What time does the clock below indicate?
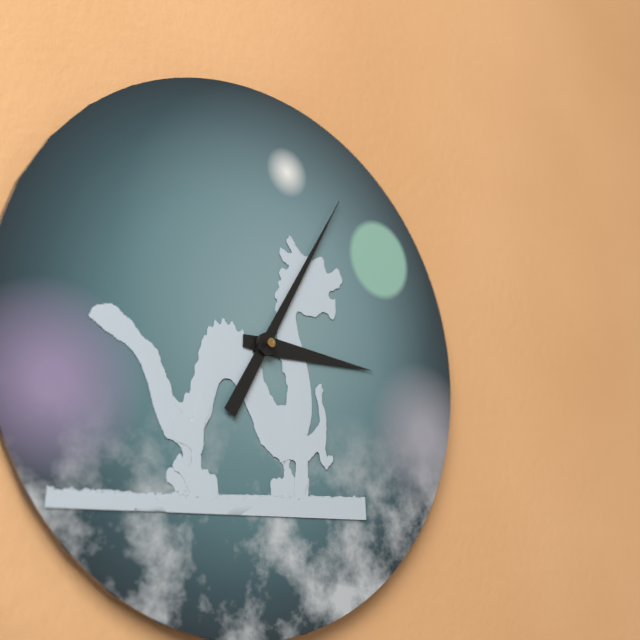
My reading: 3:05
